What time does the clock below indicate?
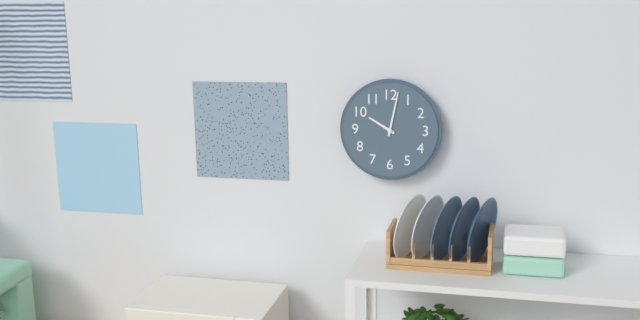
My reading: 10:02
